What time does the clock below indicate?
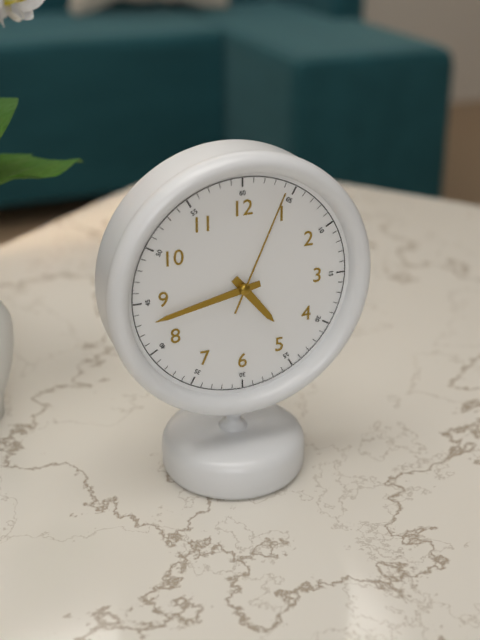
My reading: 4:43:04
